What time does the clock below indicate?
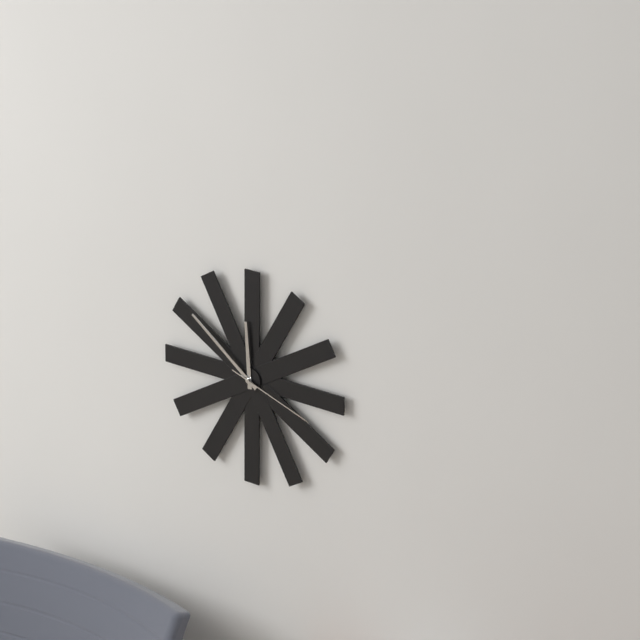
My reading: 11:51:18
